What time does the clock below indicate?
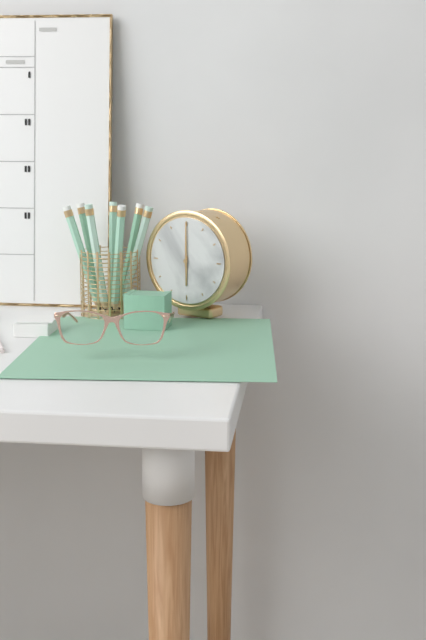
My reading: 6:00
